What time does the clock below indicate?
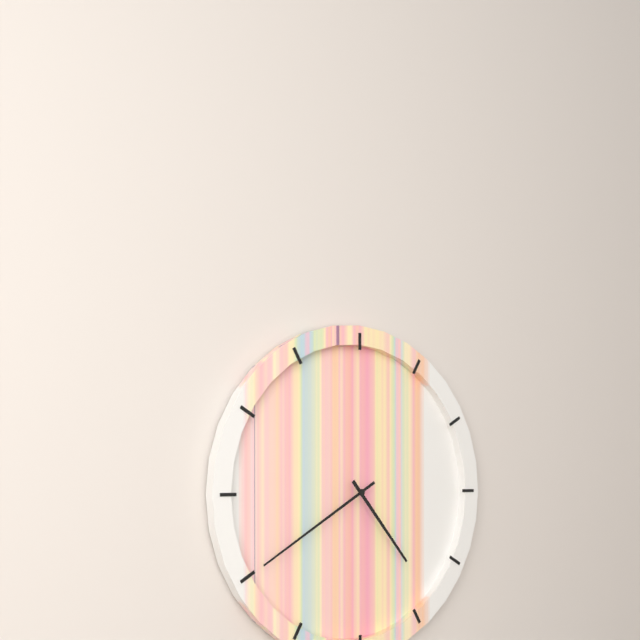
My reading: 4:40
